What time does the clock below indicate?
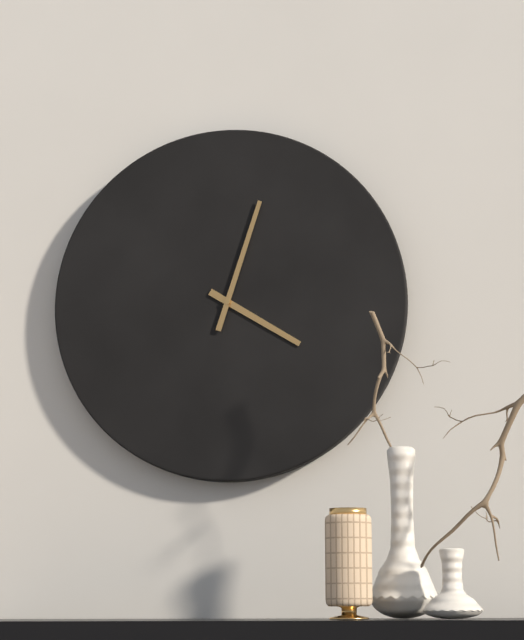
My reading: 4:03
